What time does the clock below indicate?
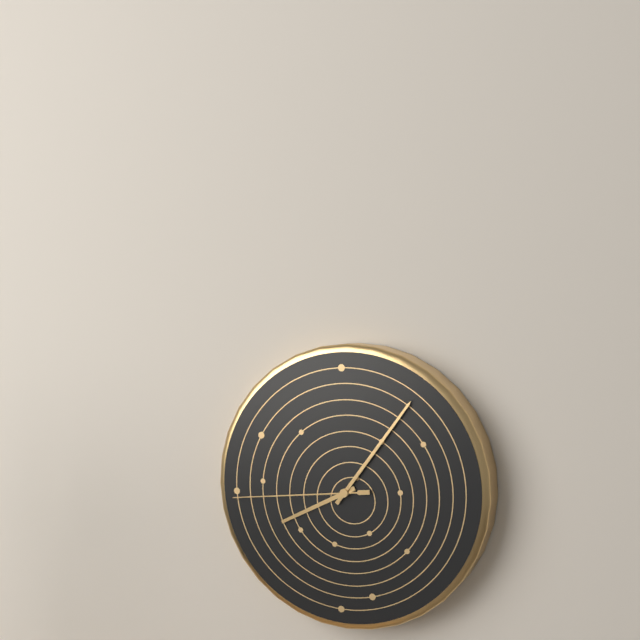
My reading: 8:06:44
